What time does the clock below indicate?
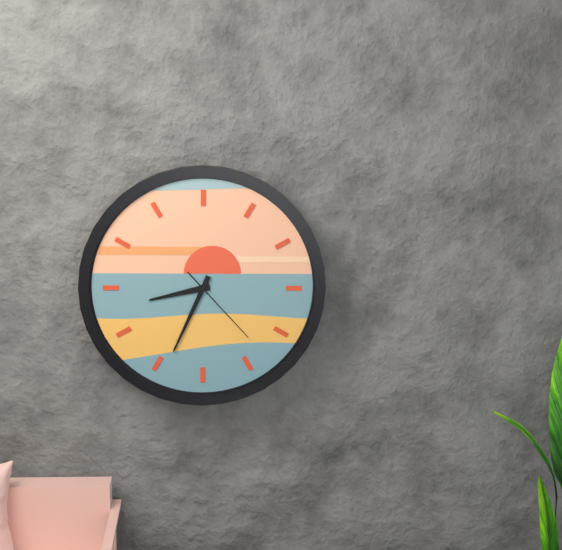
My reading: 8:34:23
